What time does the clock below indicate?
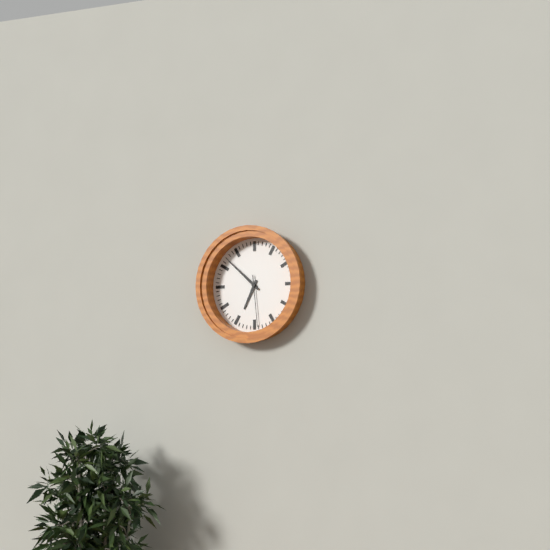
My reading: 6:52:29
